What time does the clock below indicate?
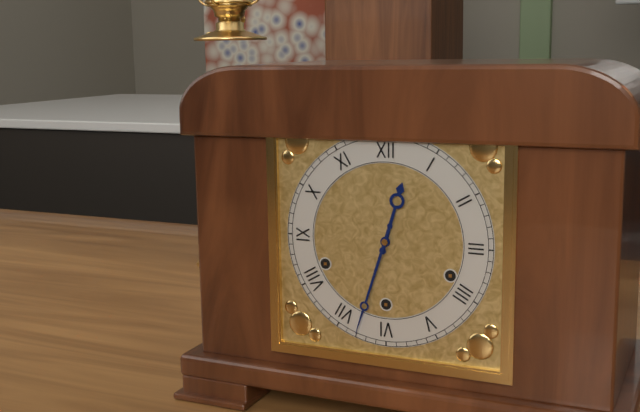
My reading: 12:33
